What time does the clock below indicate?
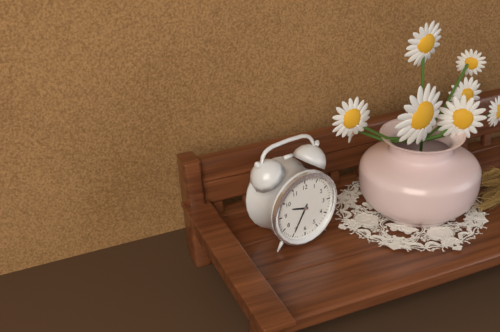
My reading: 9:35
